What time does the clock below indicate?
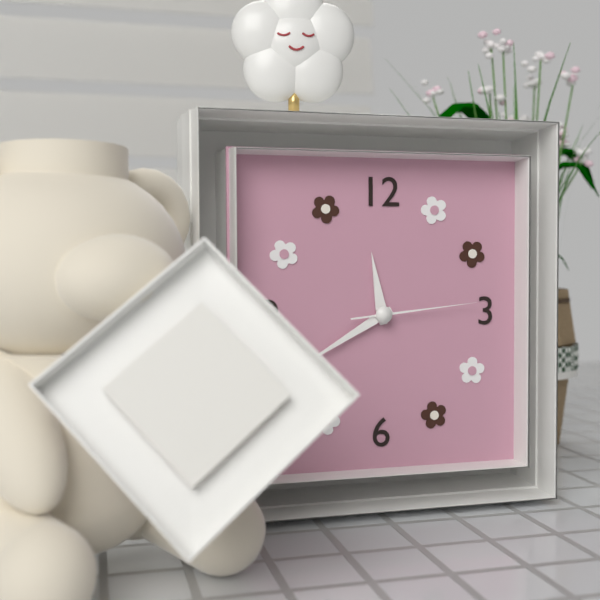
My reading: 11:40:14
